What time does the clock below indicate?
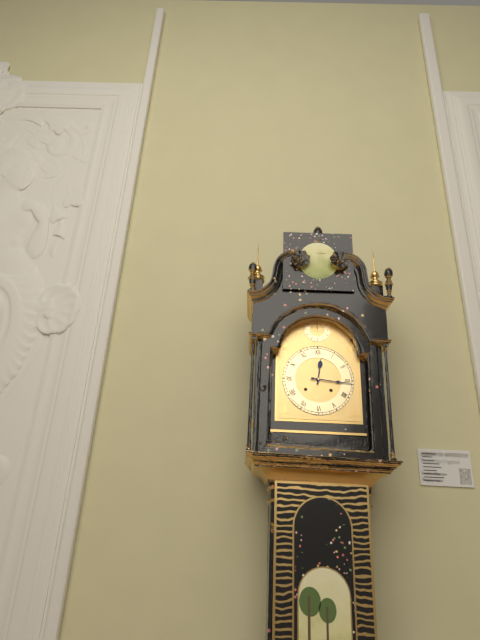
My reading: 12:16
